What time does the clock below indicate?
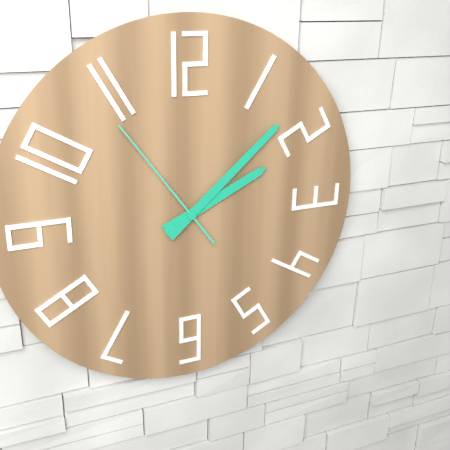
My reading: 2:08:54
